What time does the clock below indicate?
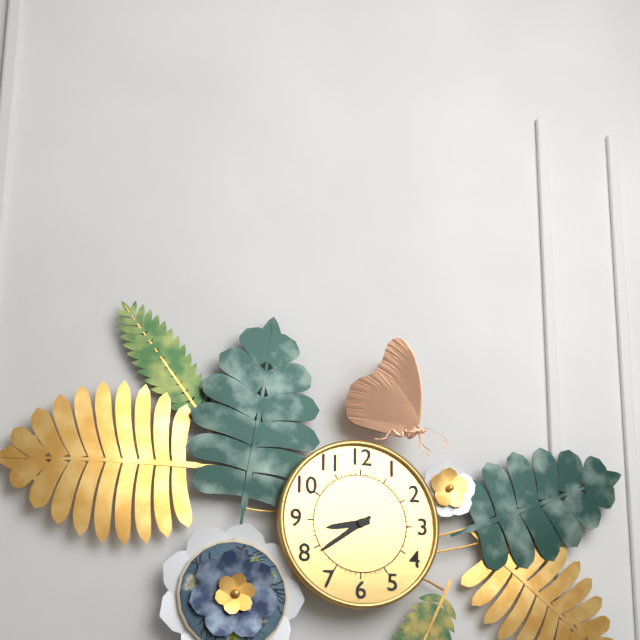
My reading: 8:39
